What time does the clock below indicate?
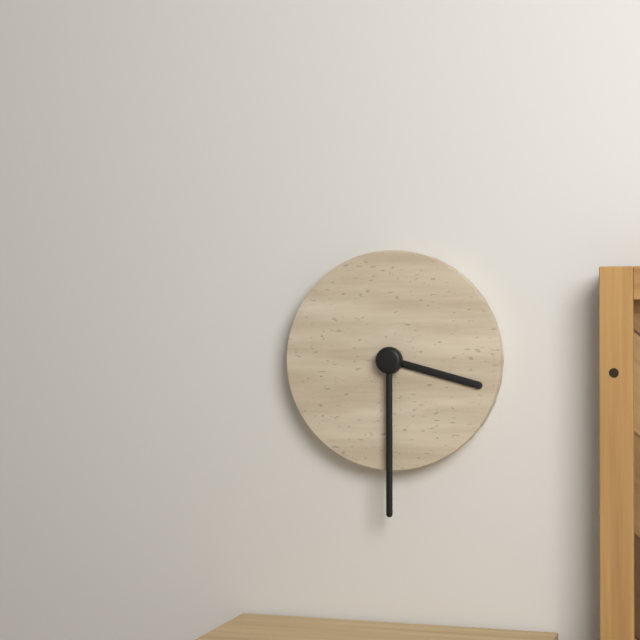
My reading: 3:30
